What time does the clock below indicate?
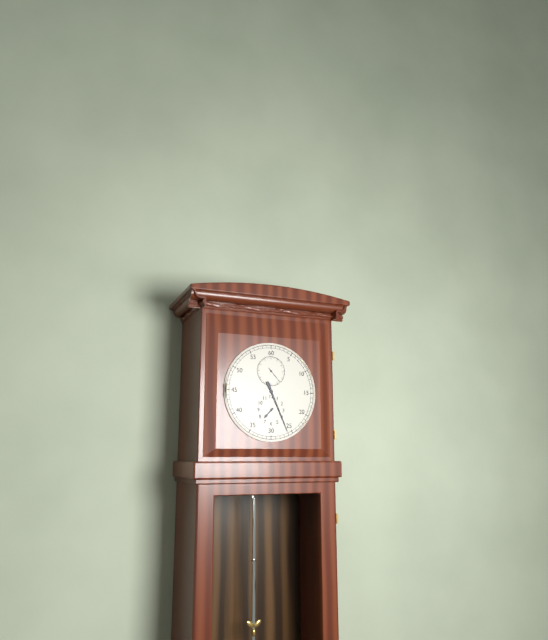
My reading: 7:26
